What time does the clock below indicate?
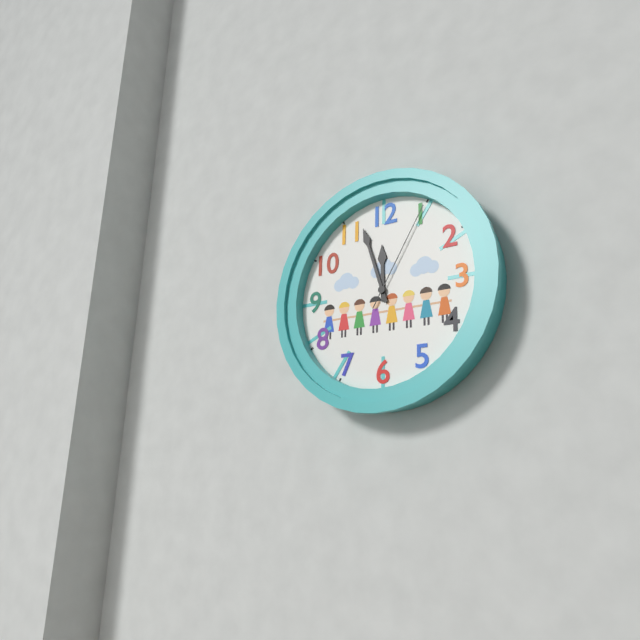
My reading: 11:57:05
